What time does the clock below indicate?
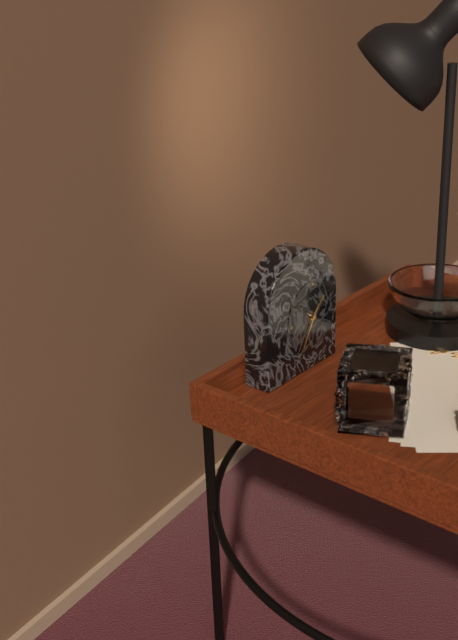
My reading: 1:35
